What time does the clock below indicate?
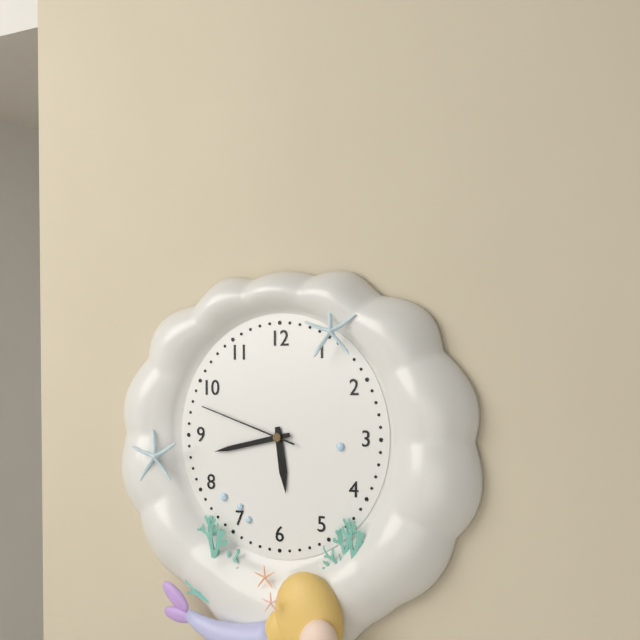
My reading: 5:43:48
